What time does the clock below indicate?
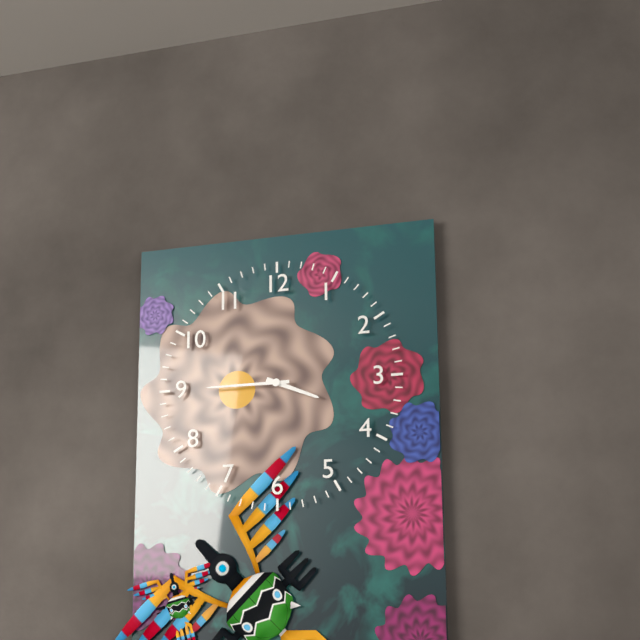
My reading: 3:45
